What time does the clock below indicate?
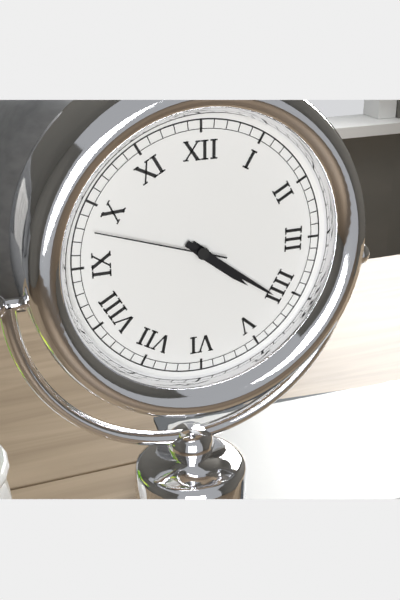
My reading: 4:21:48
